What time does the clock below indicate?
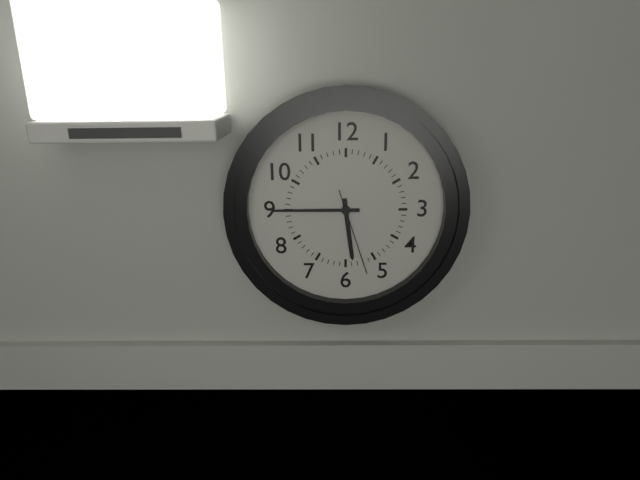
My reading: 5:45:27
